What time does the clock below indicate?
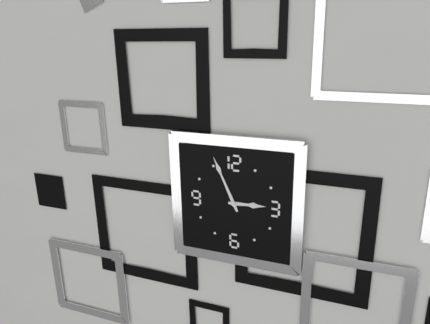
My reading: 2:56
